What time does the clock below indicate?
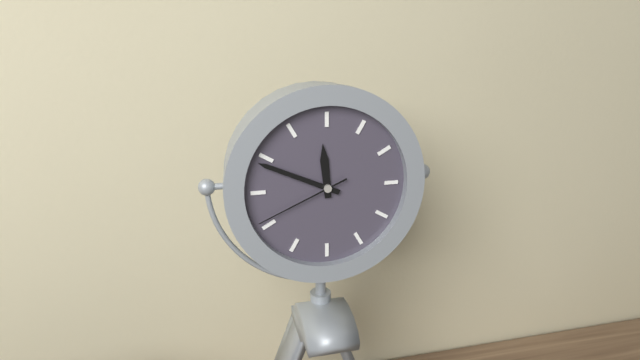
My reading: 11:49:41
